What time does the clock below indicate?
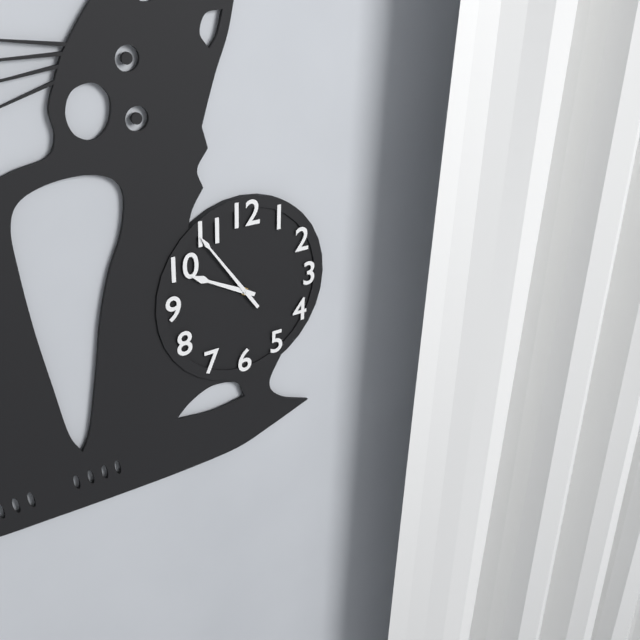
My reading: 9:54
